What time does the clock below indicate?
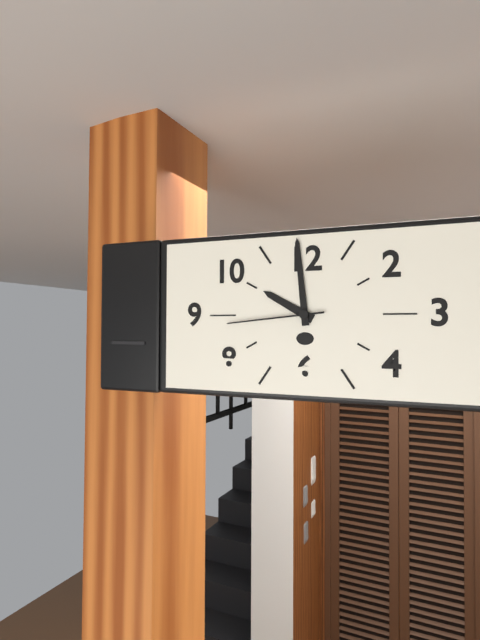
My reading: 9:59:44
